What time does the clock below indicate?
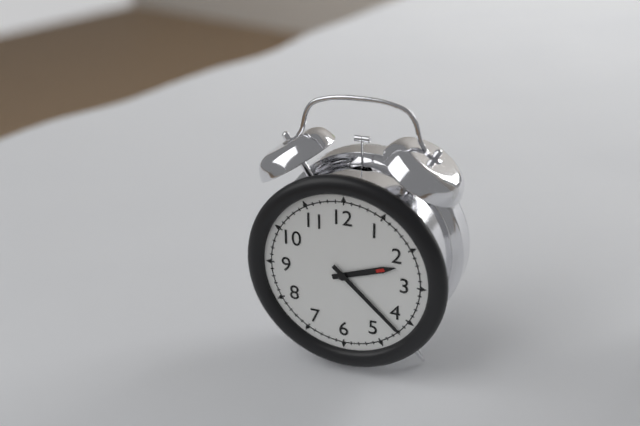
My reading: 2:22
